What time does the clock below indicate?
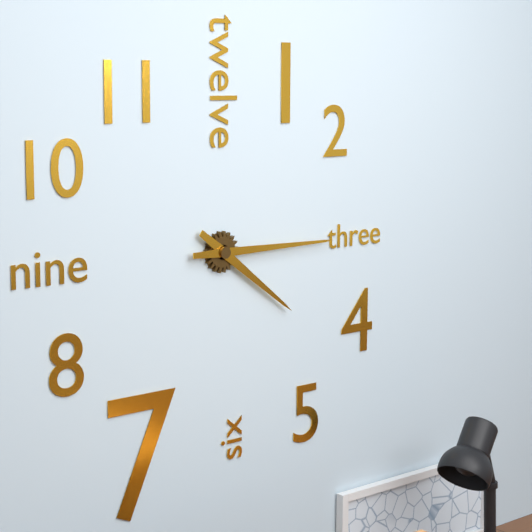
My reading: 4:15
